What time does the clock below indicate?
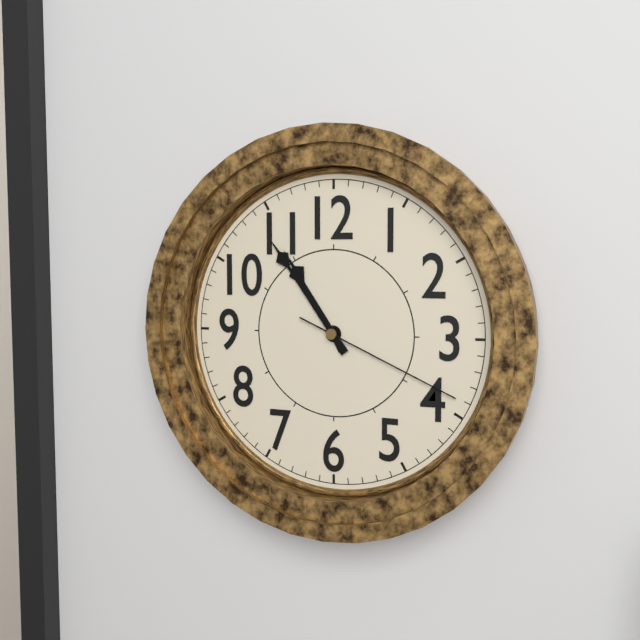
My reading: 10:54:19
